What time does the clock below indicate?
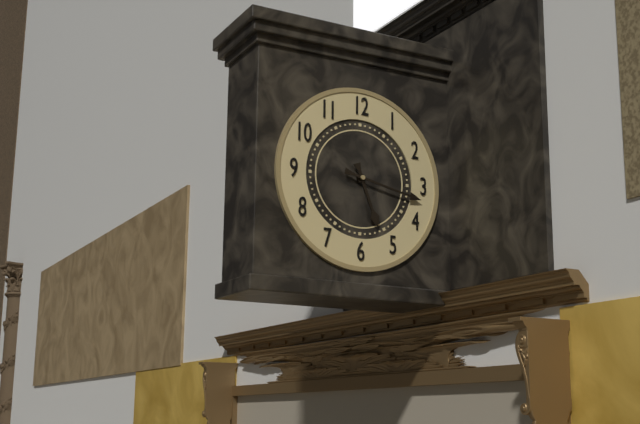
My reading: 5:17
